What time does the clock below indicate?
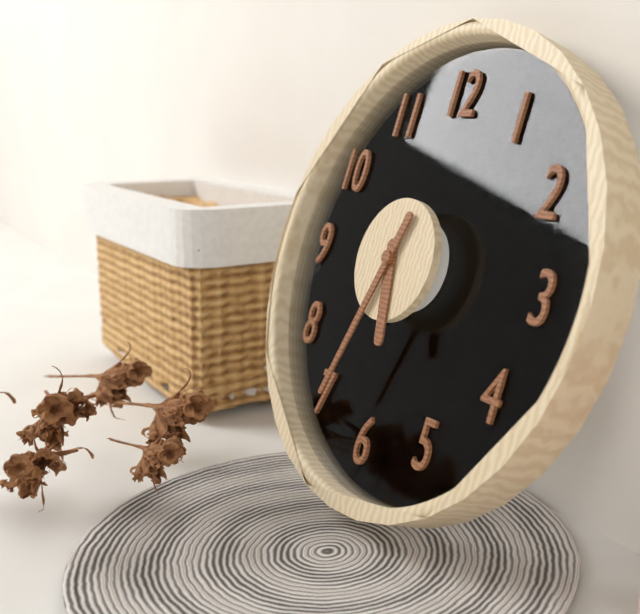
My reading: 5:33
